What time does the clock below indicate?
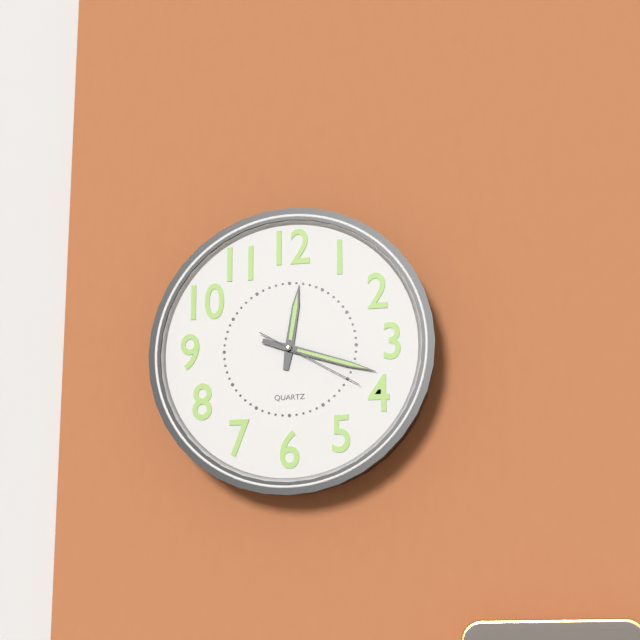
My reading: 12:18:20
